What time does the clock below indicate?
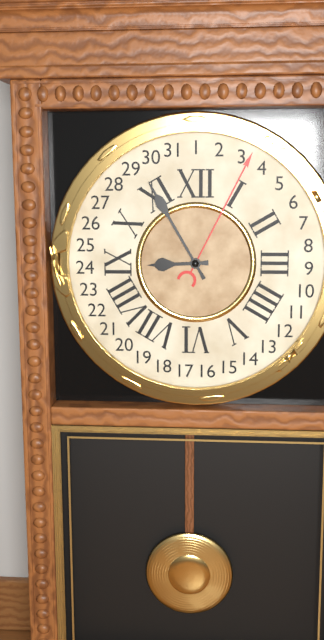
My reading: 8:55
